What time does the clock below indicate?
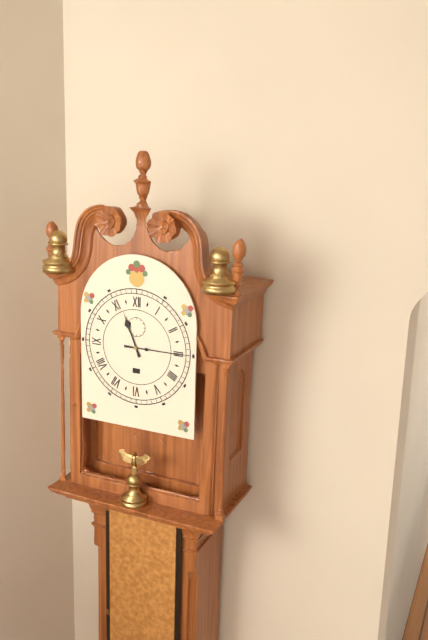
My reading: 11:15
